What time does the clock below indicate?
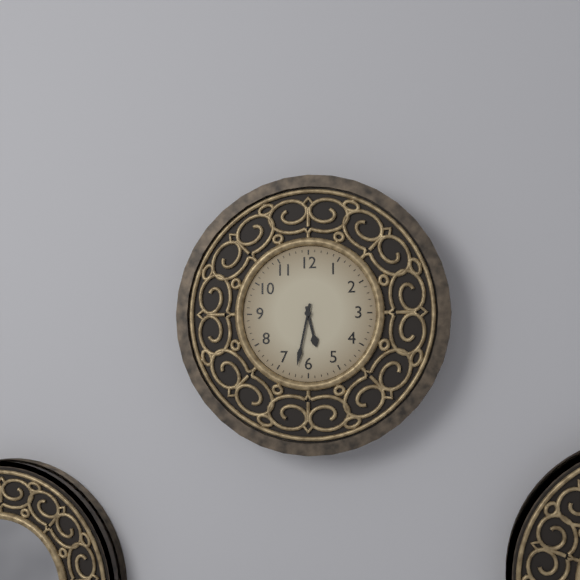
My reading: 5:32
